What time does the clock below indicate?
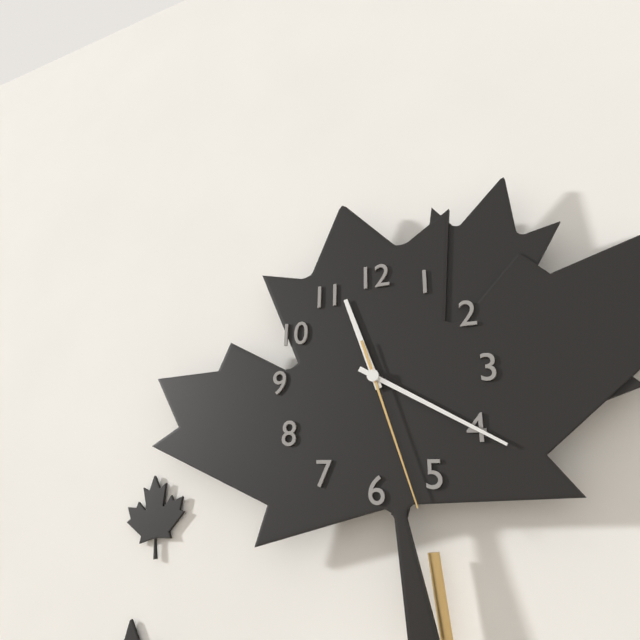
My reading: 11:20:27
